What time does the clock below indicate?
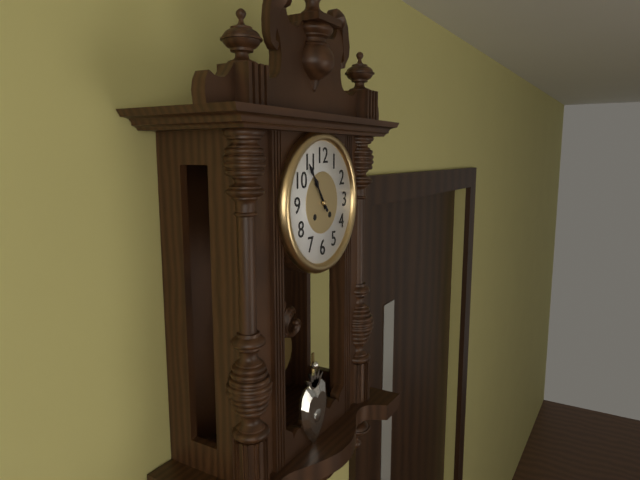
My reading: 10:54
